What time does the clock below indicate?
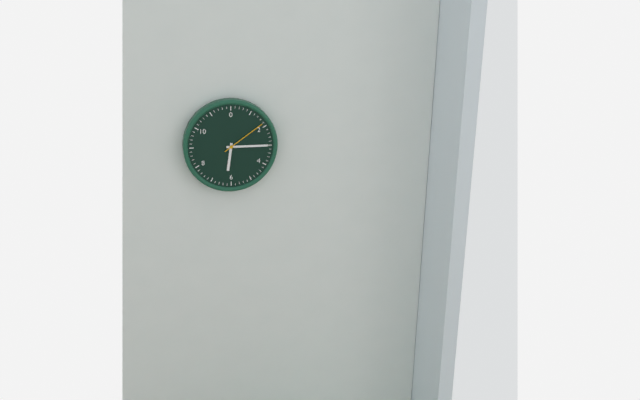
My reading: 6:15
